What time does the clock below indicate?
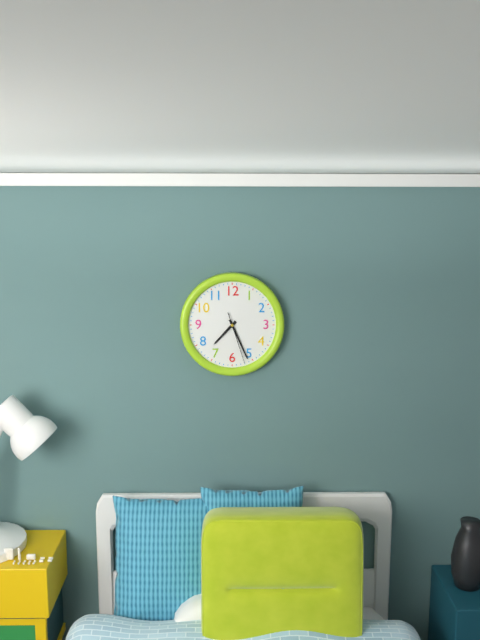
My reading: 7:26:27
